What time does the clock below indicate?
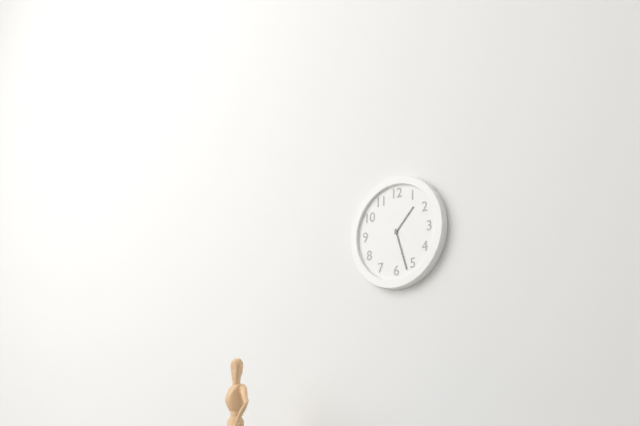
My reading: 1:27
